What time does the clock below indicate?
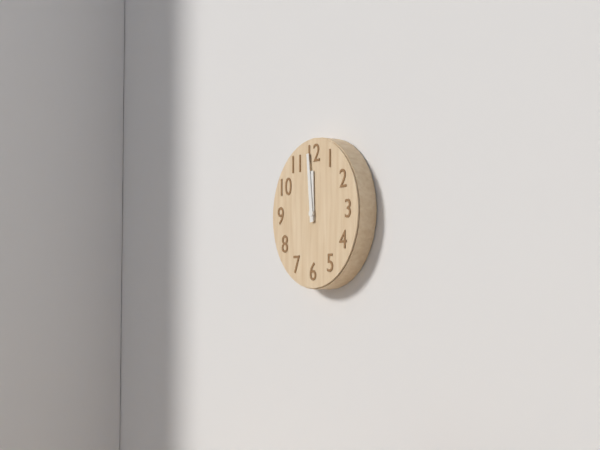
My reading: 11:59
